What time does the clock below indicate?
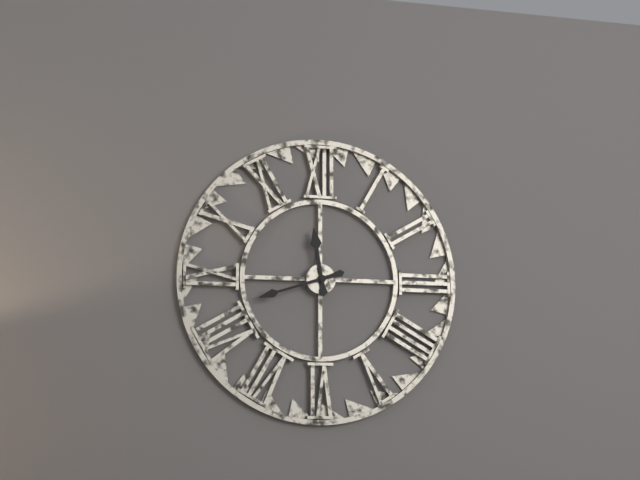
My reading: 11:42
